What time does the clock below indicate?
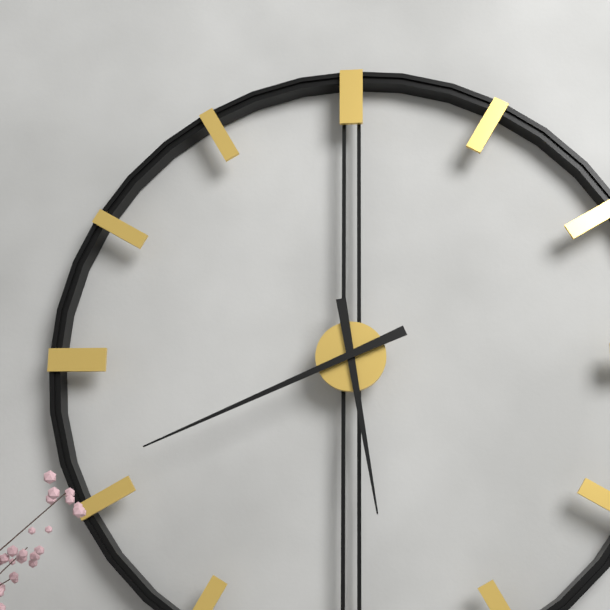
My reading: 5:41
